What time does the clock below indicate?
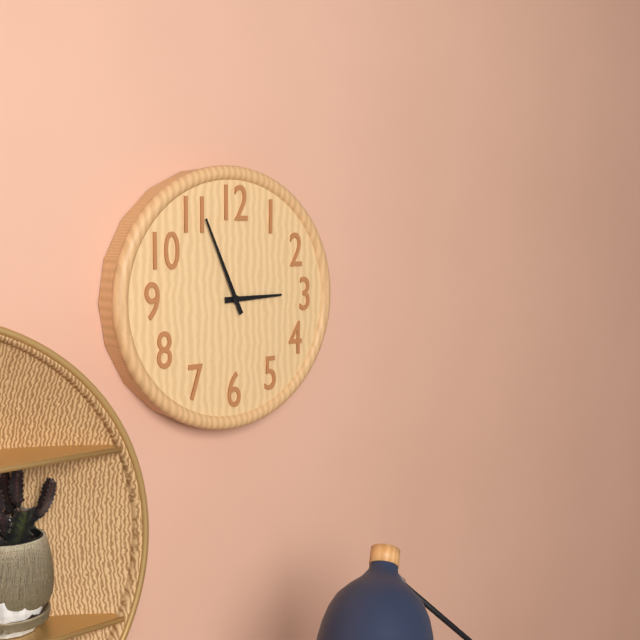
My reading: 2:56
